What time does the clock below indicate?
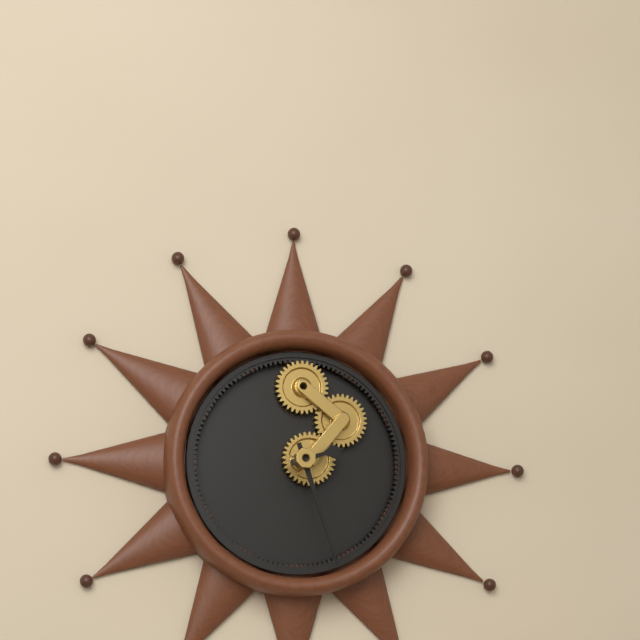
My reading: 2:27
